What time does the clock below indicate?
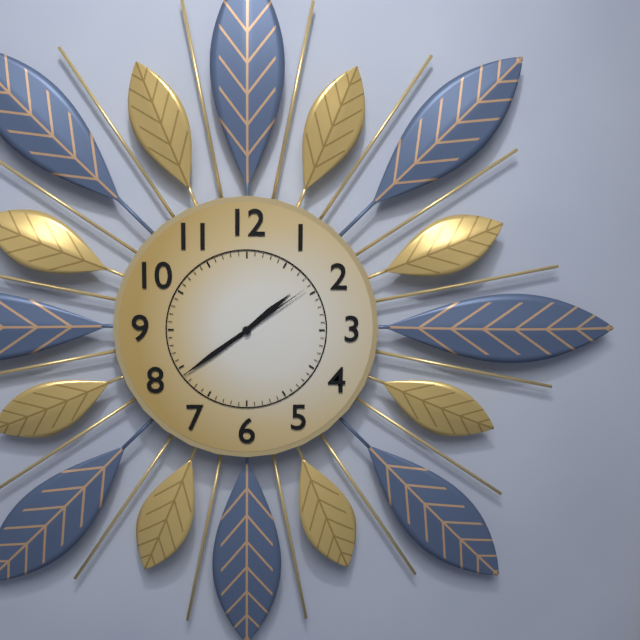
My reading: 1:39:09
